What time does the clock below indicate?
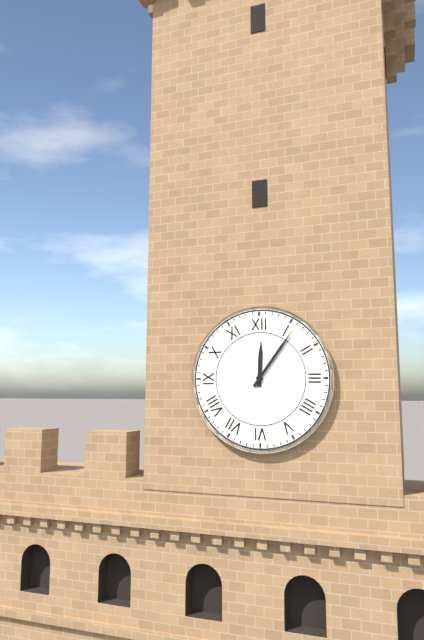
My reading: 12:06
